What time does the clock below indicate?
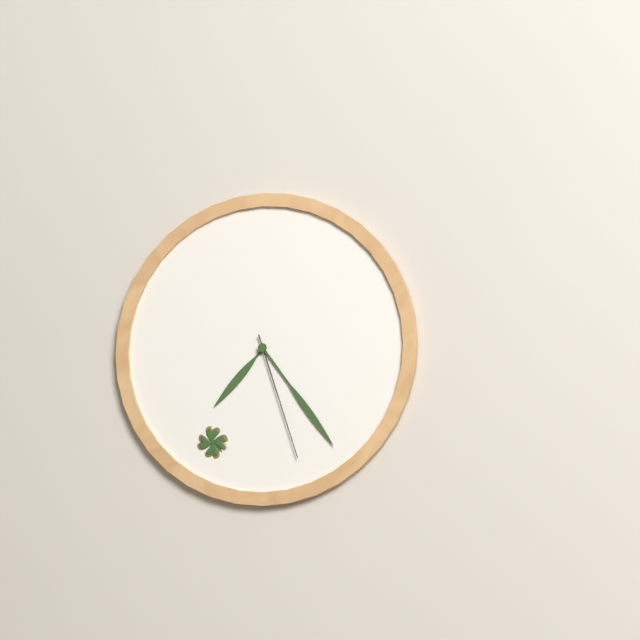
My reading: 7:24:27
